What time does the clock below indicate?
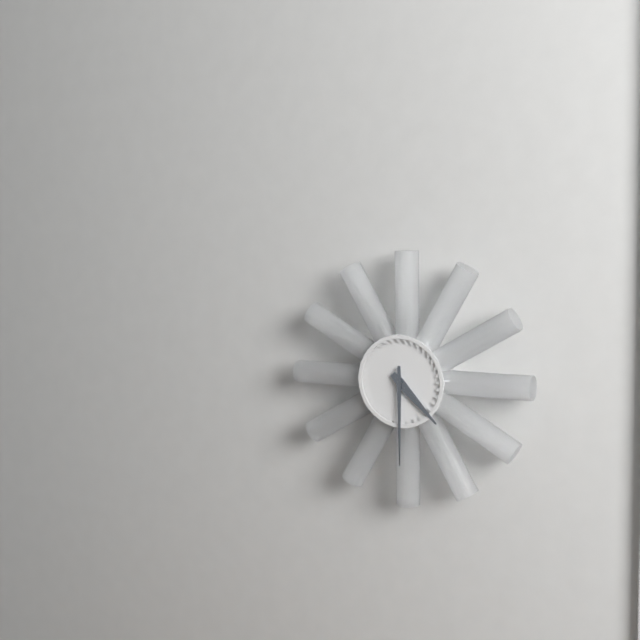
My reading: 4:30
